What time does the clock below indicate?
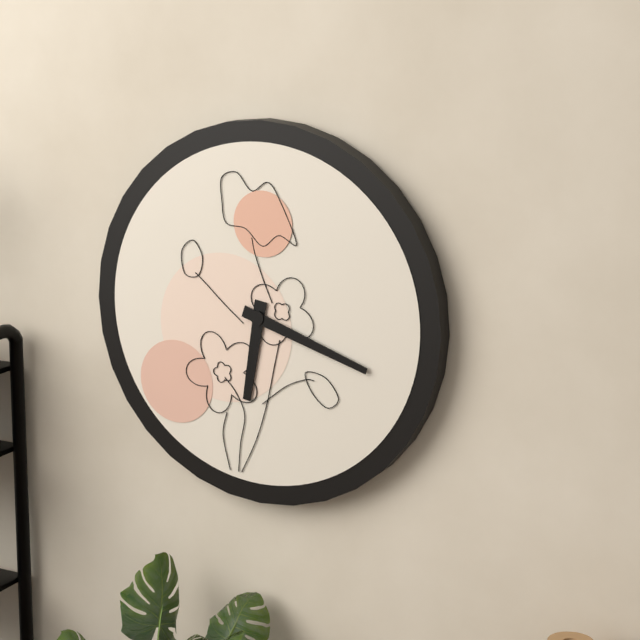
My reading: 6:18
